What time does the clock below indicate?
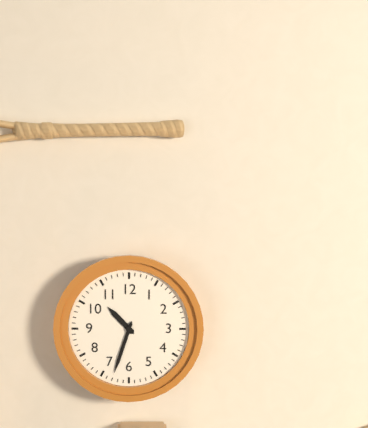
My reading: 10:33
